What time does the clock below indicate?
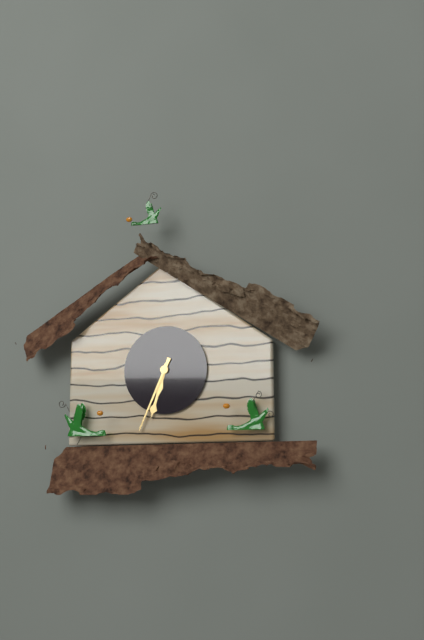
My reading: 6:34
